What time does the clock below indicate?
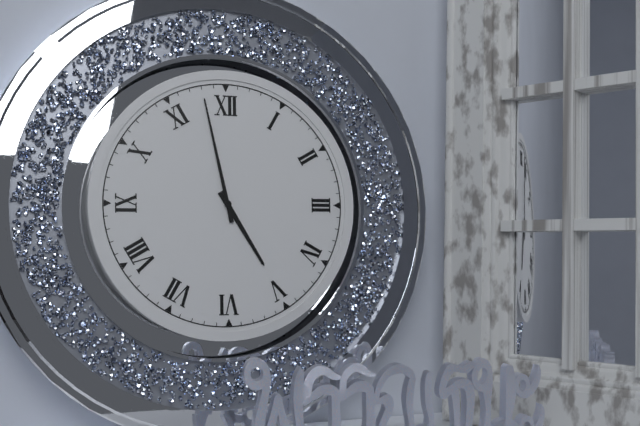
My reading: 4:58
